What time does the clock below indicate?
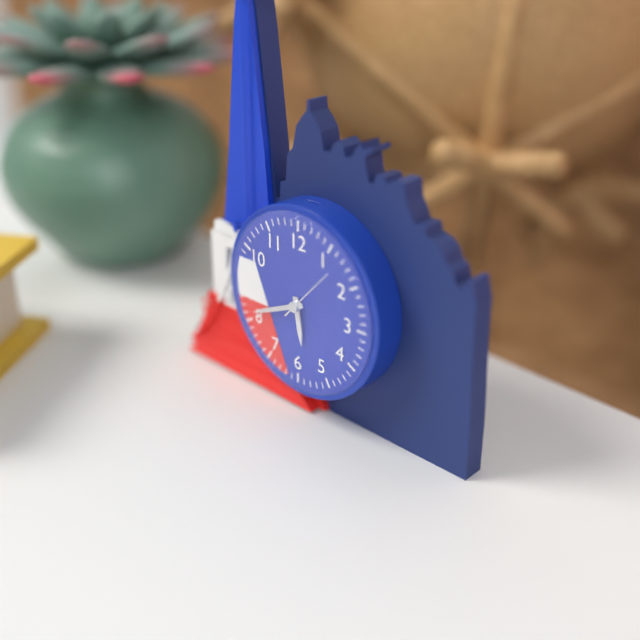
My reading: 5:41:07
